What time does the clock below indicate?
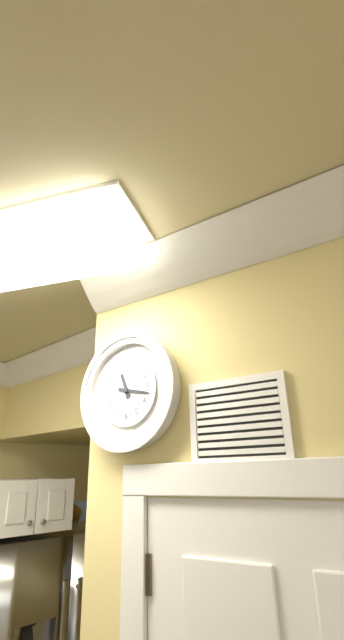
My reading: 11:17
